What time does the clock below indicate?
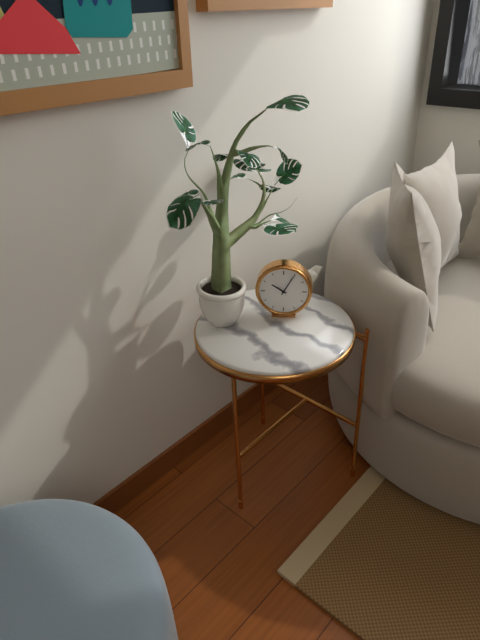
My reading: 10:05
